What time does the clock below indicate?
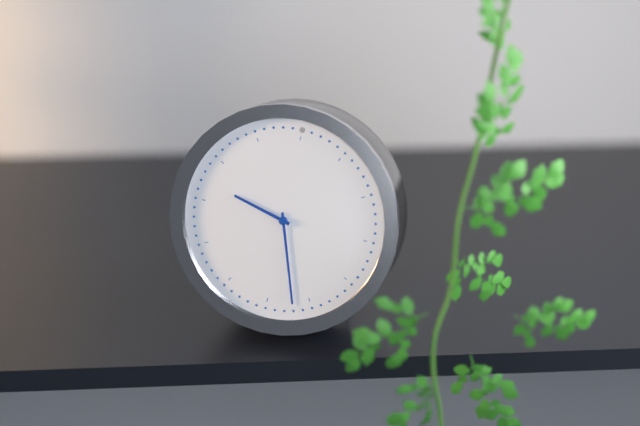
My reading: 9:27
